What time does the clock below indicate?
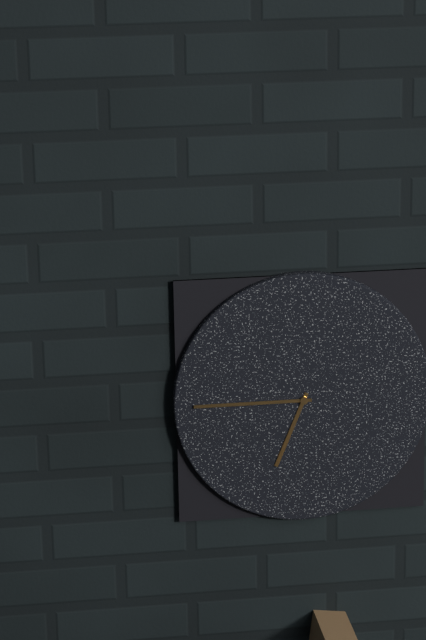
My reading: 6:45
